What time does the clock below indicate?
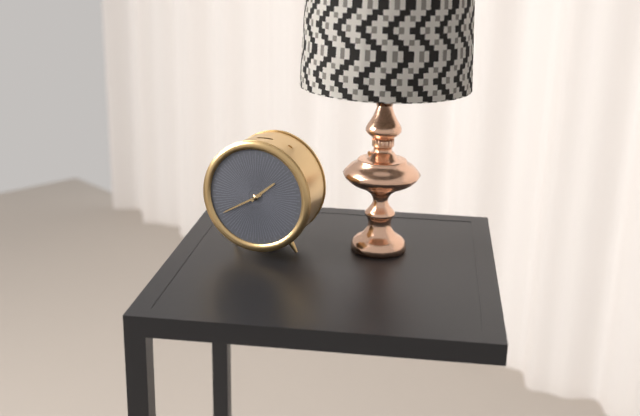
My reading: 1:40
